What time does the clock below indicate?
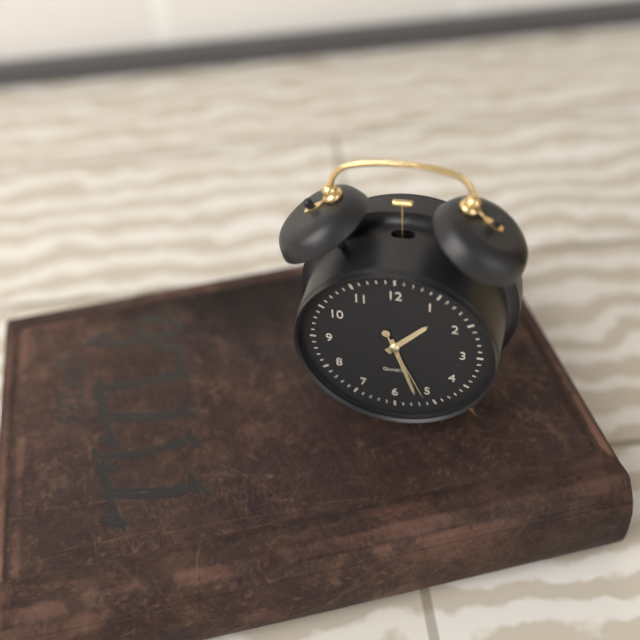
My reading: 1:27:26
